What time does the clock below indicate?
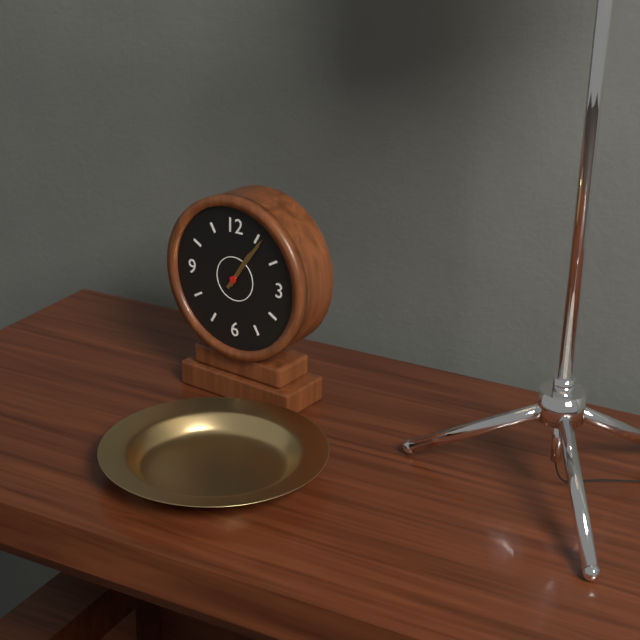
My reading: 1:06
